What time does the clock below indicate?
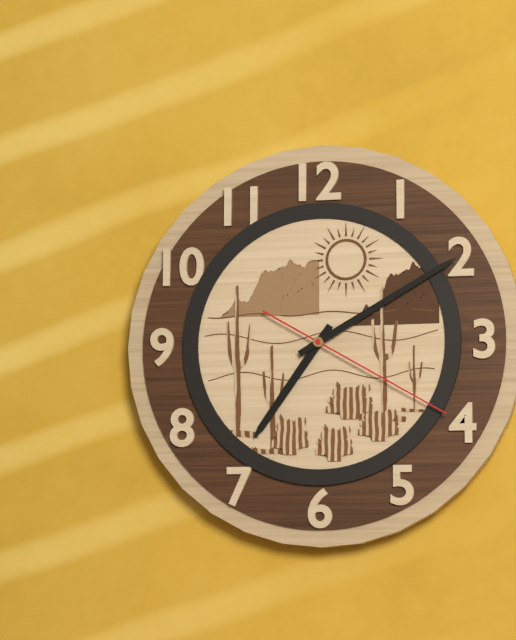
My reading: 7:10:20
